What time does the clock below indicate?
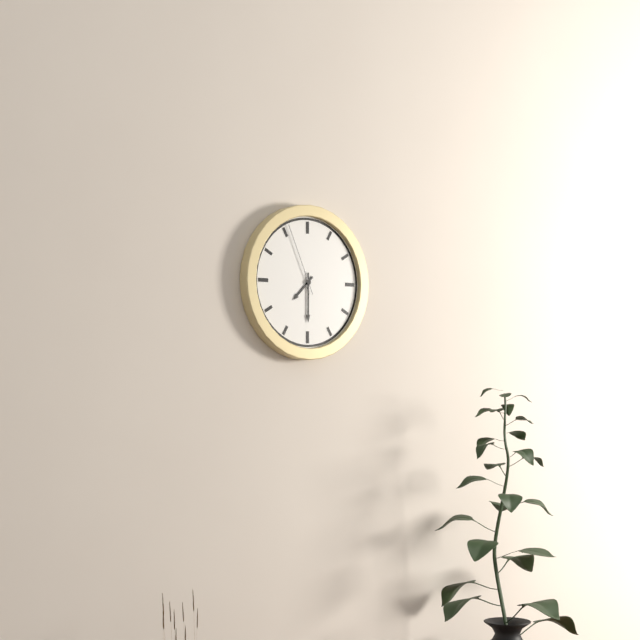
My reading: 7:30:56
